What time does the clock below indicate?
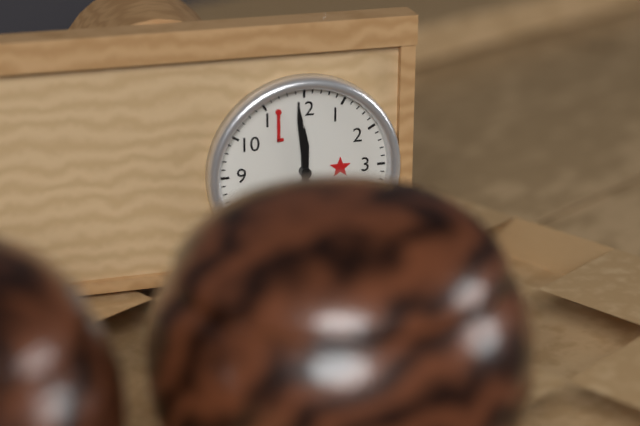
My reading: 11:59
